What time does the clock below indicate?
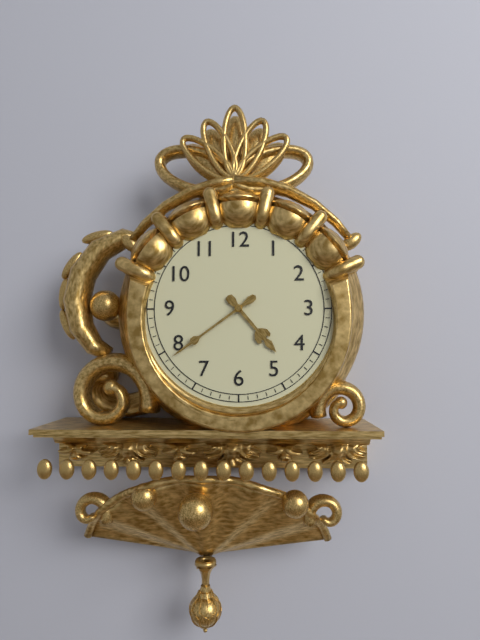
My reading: 4:39
